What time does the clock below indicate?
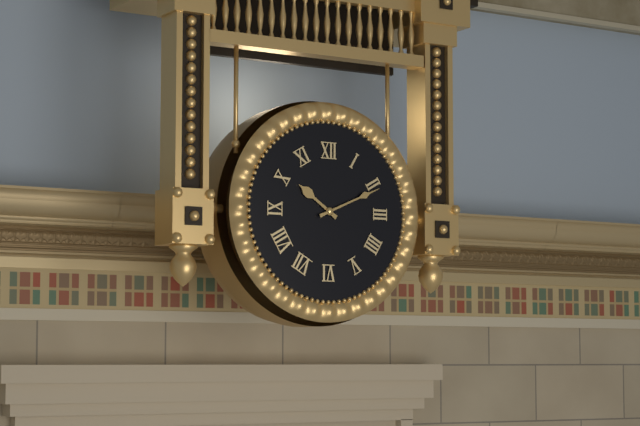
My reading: 10:11
